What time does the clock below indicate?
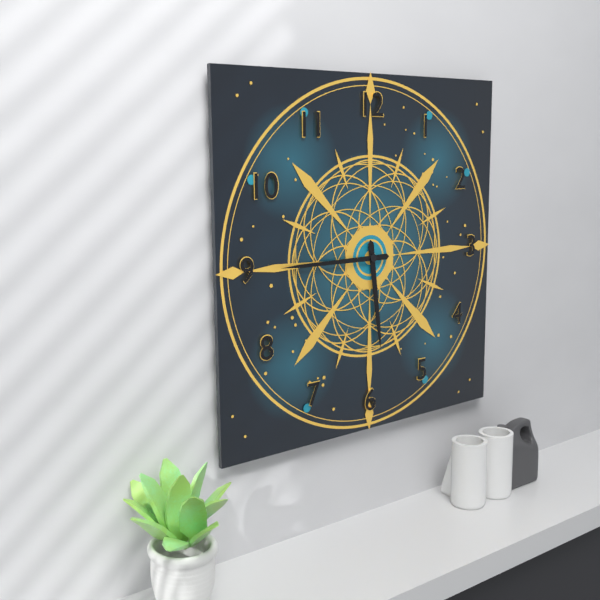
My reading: 5:45
